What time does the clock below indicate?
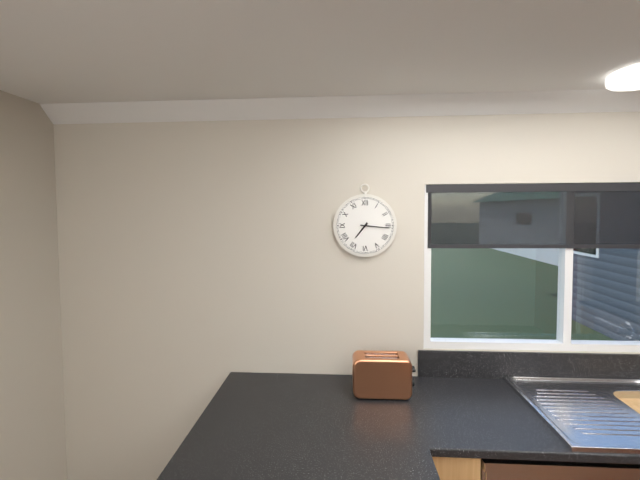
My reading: 7:16
